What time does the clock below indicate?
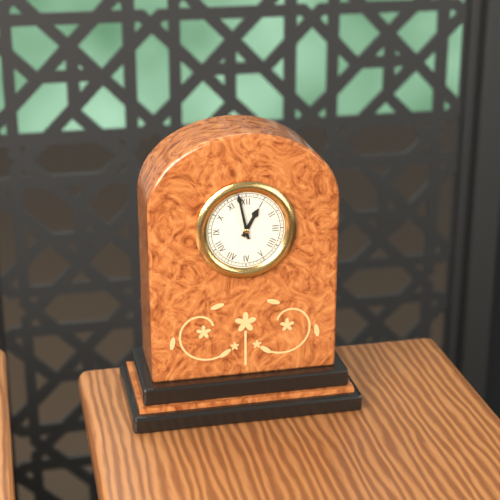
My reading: 12:58
